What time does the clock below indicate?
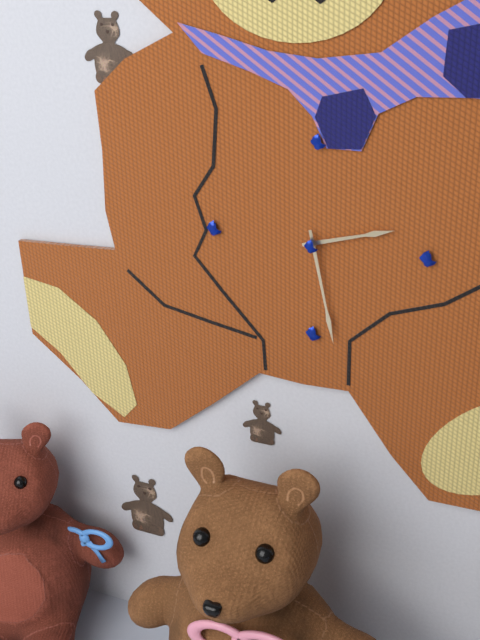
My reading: 2:28
